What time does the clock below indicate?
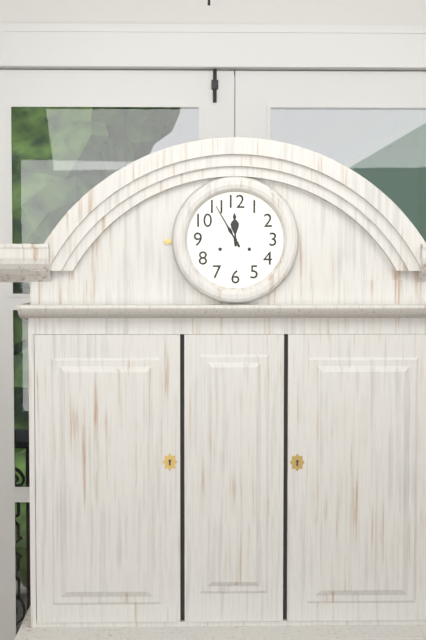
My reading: 11:55
